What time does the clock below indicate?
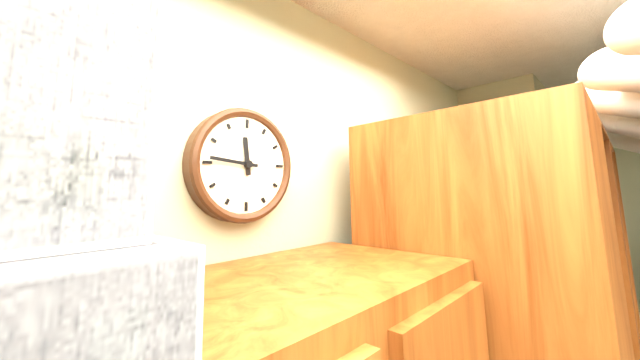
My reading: 11:46
